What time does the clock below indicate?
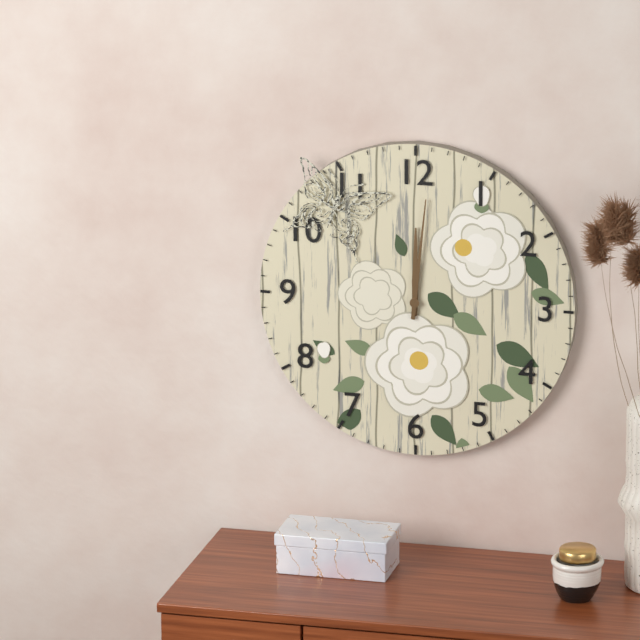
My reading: 12:01
